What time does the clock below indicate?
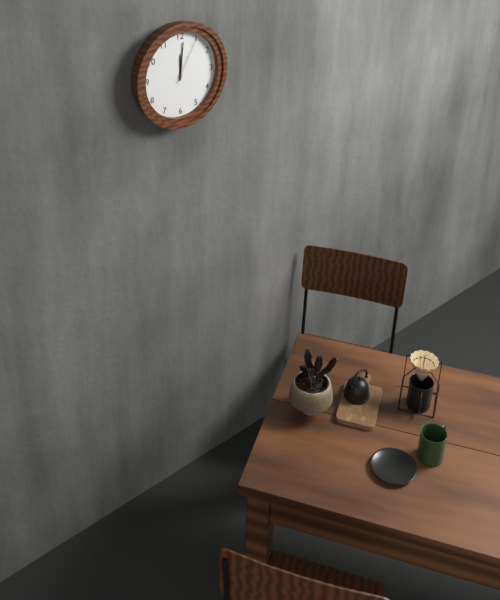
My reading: 12:01
